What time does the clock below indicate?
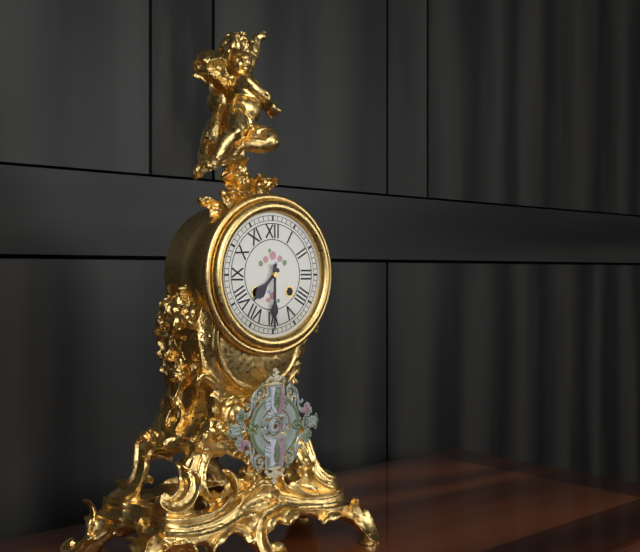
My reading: 7:30
